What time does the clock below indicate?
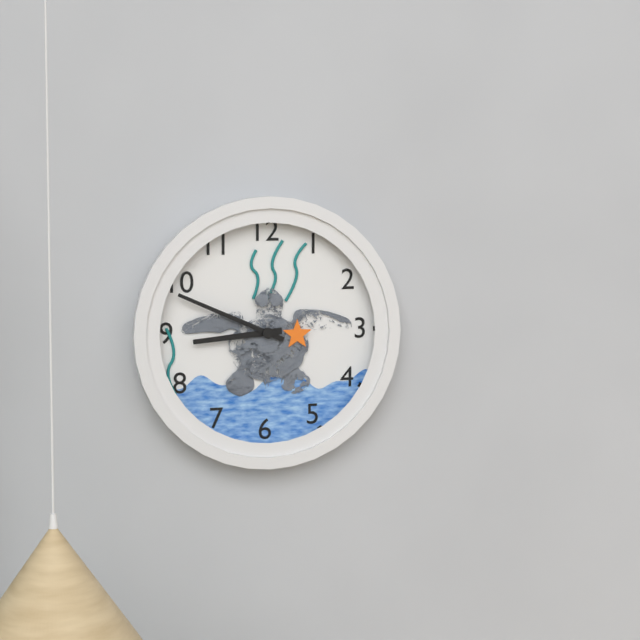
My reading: 8:49
